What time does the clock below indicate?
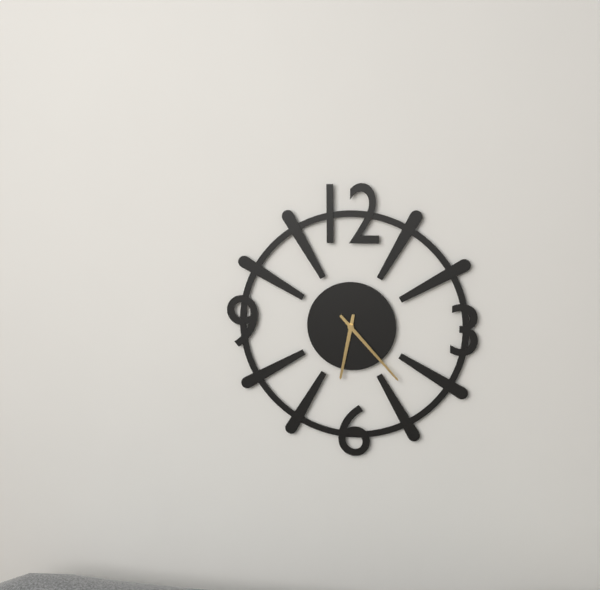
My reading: 6:23
